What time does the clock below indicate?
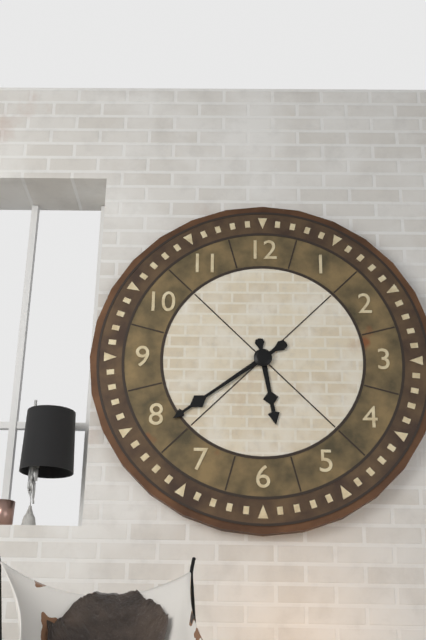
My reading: 5:39
